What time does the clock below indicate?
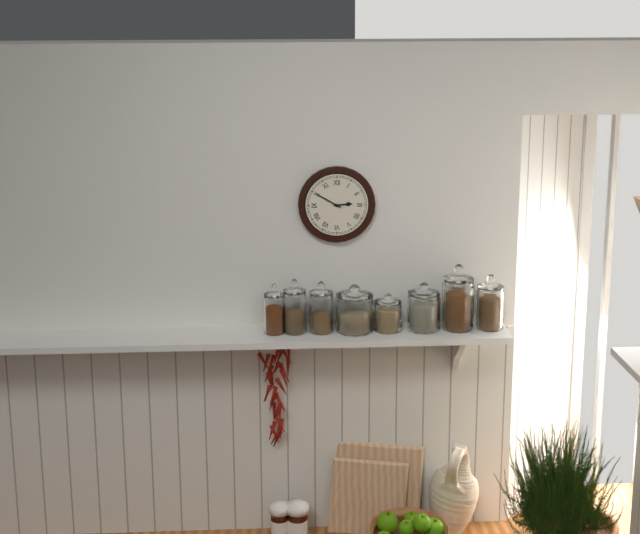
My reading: 2:50
